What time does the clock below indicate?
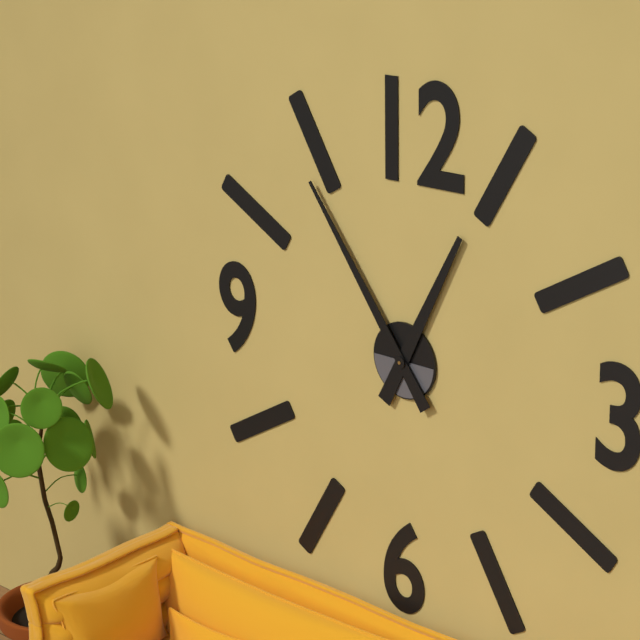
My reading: 12:54
